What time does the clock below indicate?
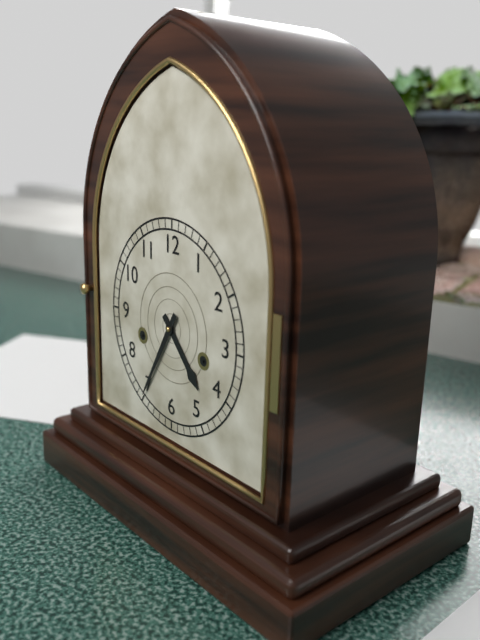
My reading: 4:35
